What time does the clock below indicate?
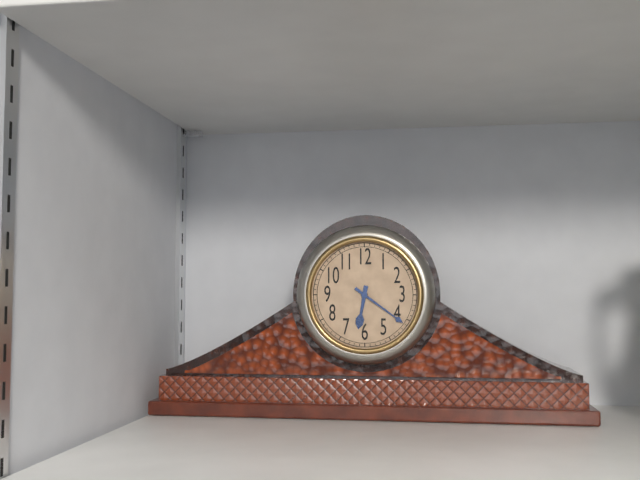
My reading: 6:21
